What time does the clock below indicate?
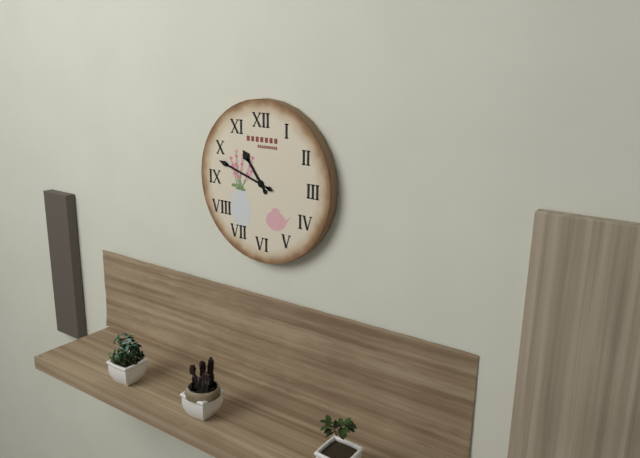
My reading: 10:48
